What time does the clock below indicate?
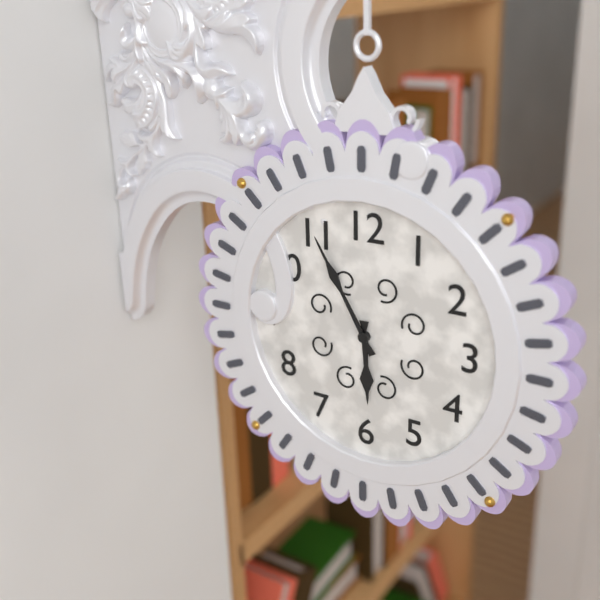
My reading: 5:55
